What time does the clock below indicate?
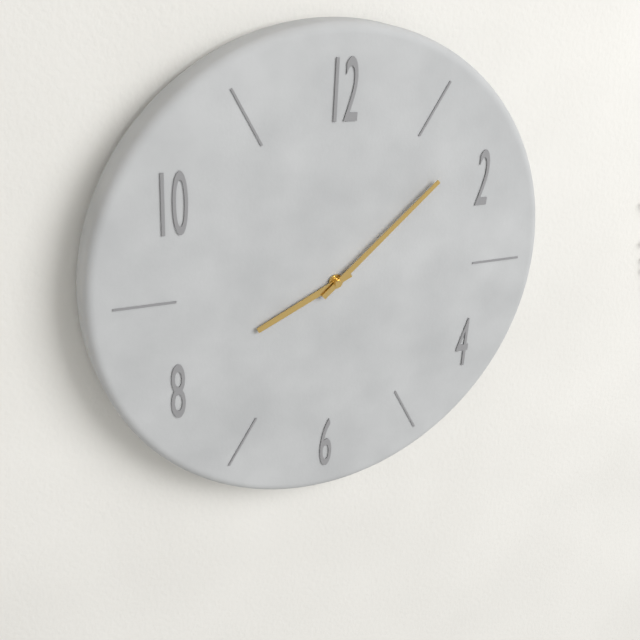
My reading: 8:08
